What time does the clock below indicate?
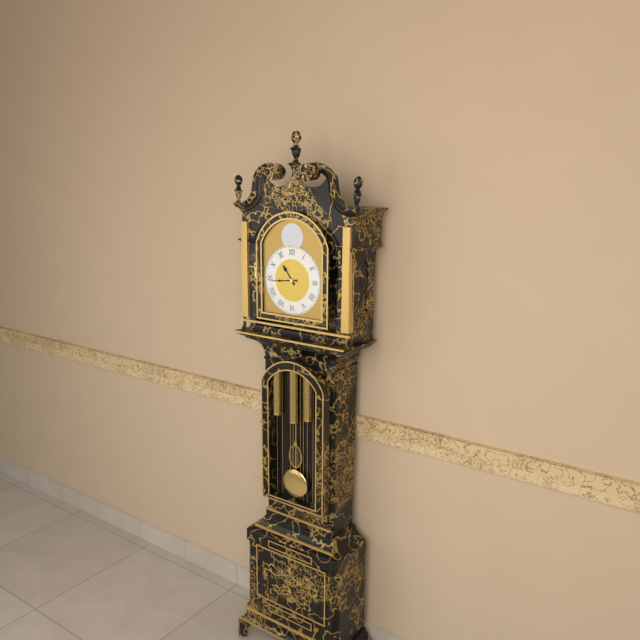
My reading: 10:44
